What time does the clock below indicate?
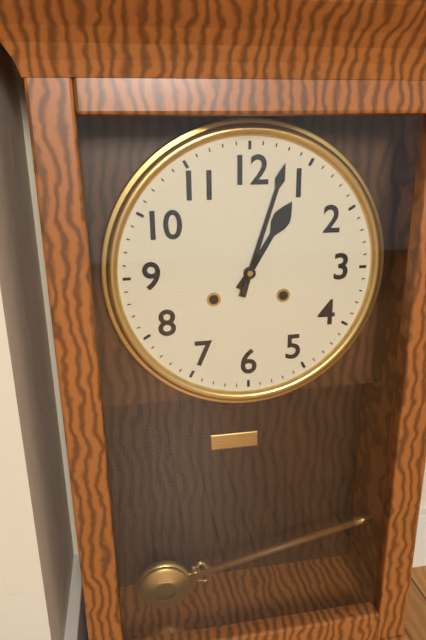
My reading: 1:03
